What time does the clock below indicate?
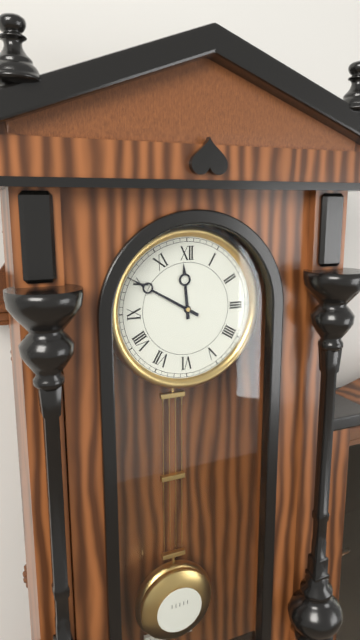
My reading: 11:50
